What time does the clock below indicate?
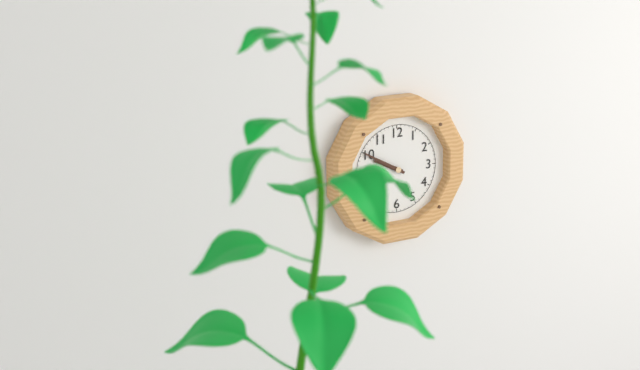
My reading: 9:50
